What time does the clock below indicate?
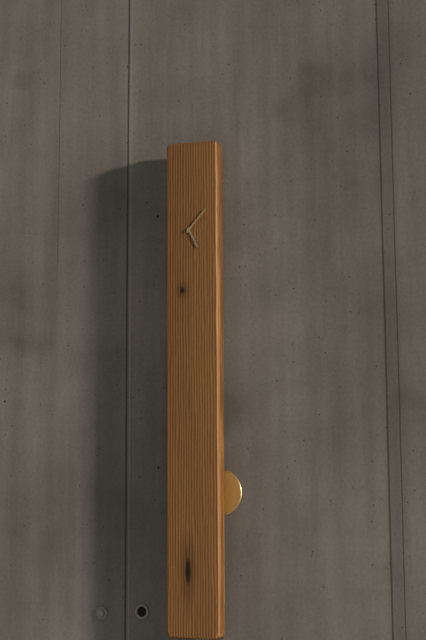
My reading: 5:07
